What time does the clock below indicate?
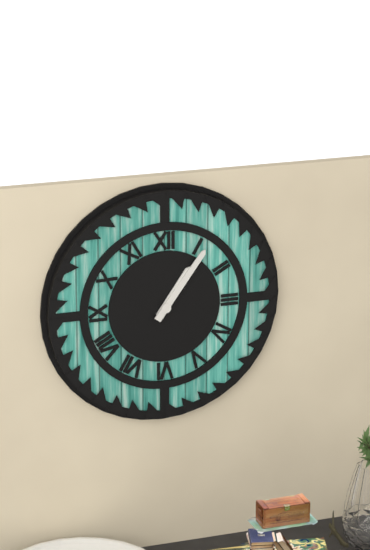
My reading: 1:06
